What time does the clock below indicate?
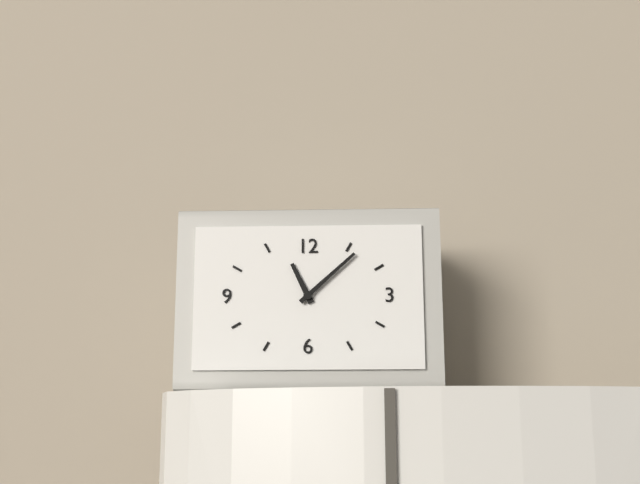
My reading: 11:08
